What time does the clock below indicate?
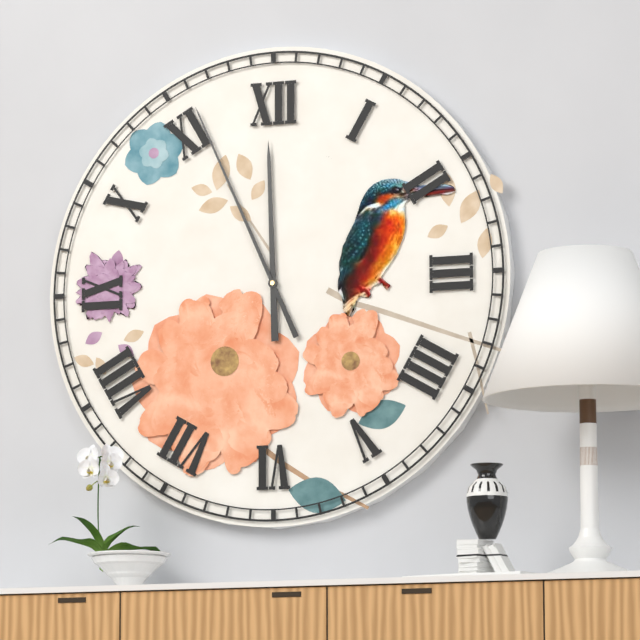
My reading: 11:56
